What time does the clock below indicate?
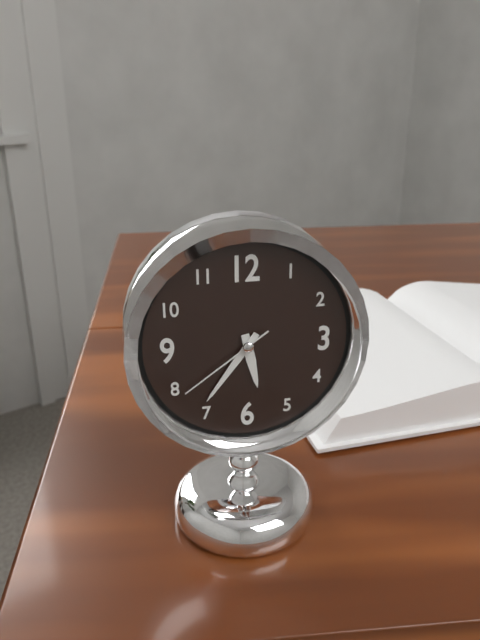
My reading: 5:36:39
